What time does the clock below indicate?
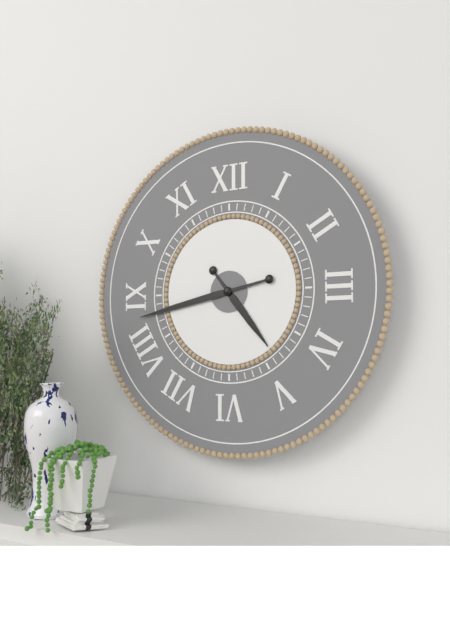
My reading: 4:43
